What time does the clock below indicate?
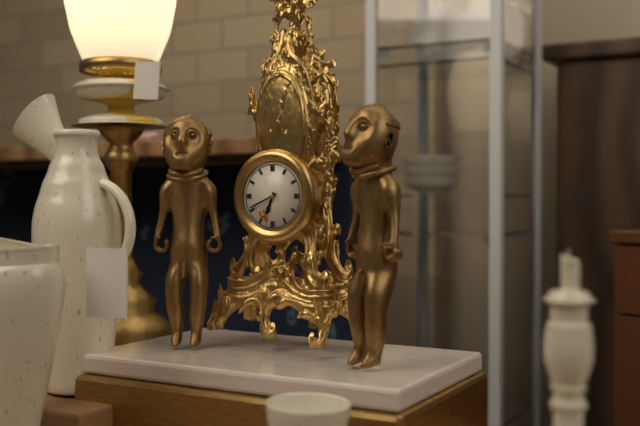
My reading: 6:41
